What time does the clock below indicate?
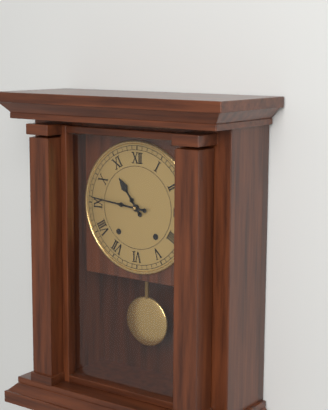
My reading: 10:46
